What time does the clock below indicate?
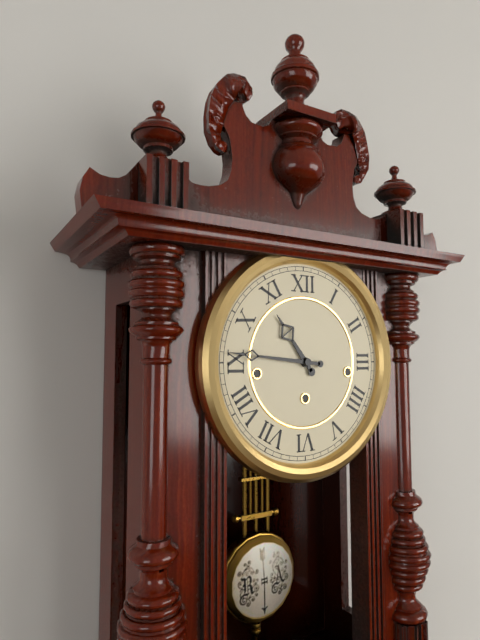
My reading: 10:46
